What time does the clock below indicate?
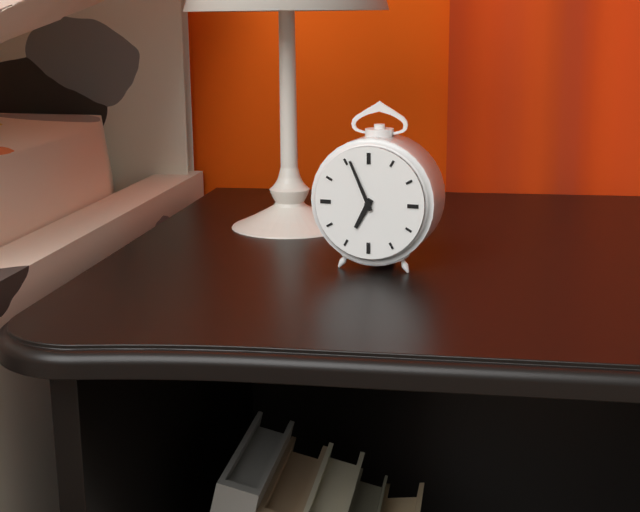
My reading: 6:56
